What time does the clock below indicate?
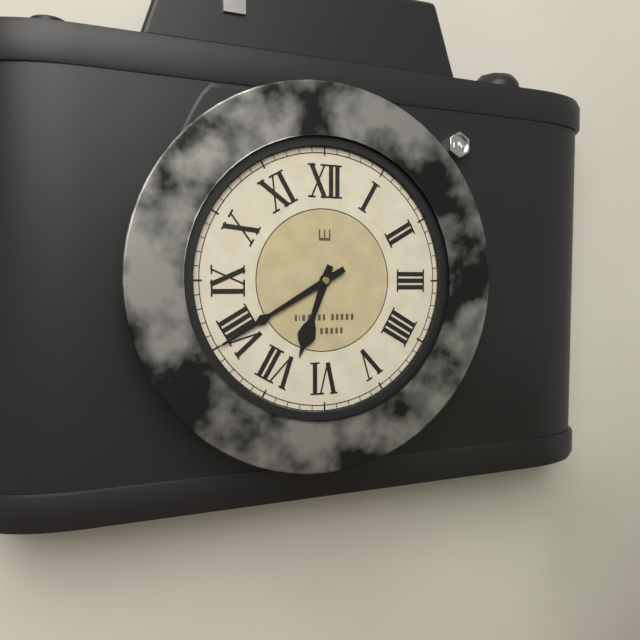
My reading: 6:40
